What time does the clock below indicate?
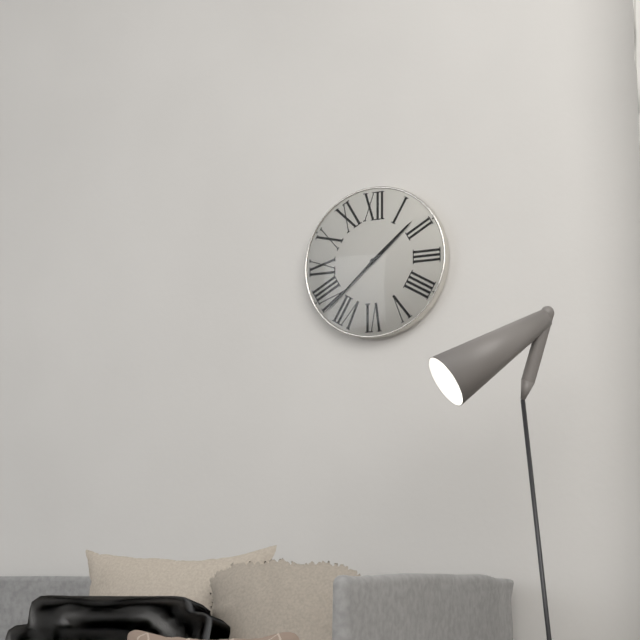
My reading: 1:38
